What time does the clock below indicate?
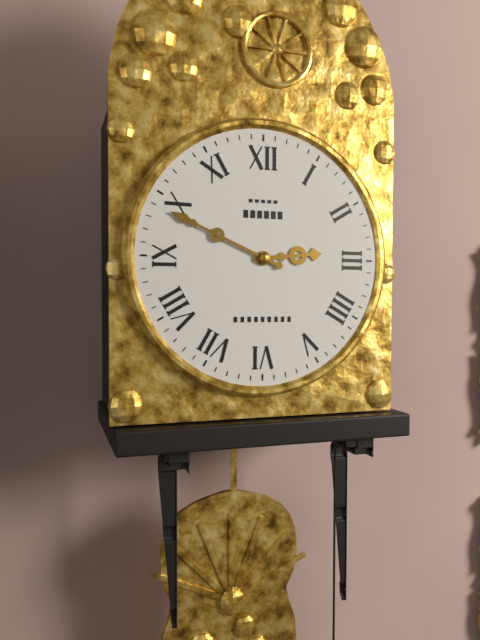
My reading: 2:49
